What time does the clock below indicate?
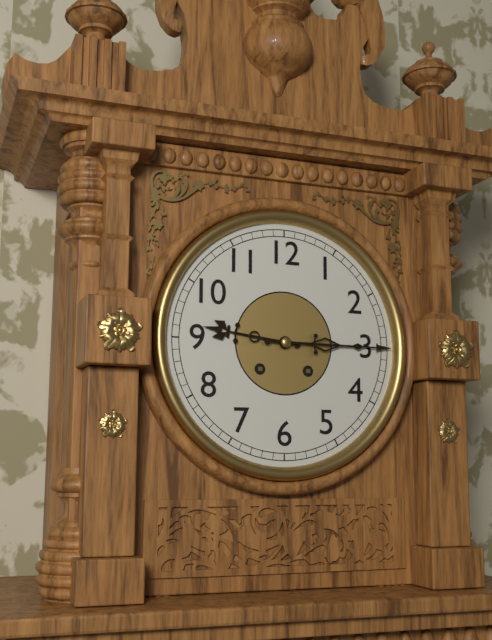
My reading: 9:15
